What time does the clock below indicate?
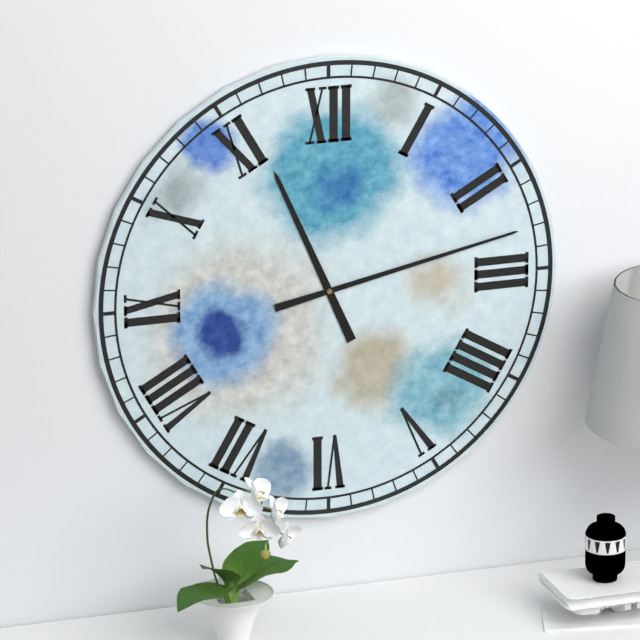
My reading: 11:13
